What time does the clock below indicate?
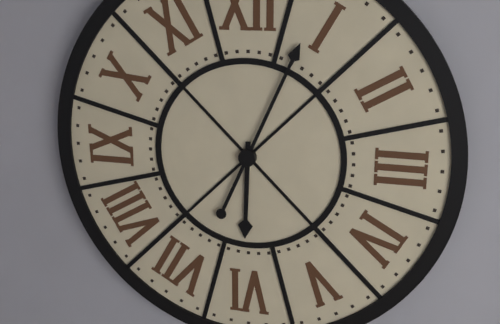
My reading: 6:04
